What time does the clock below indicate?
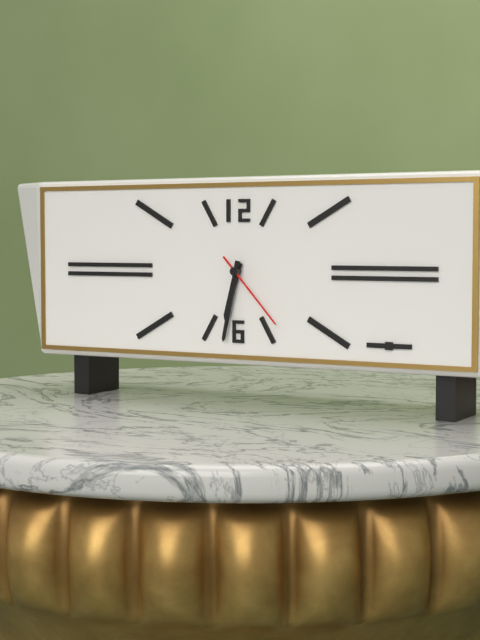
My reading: 6:32:23
